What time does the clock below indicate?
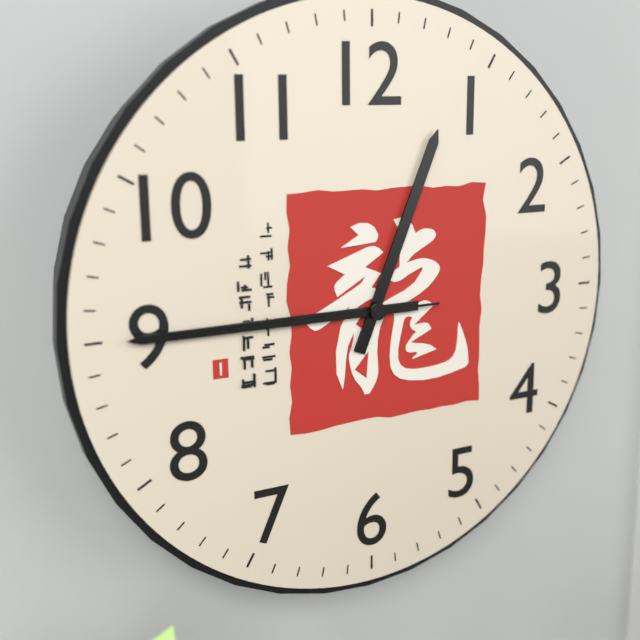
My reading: 12:45:45
